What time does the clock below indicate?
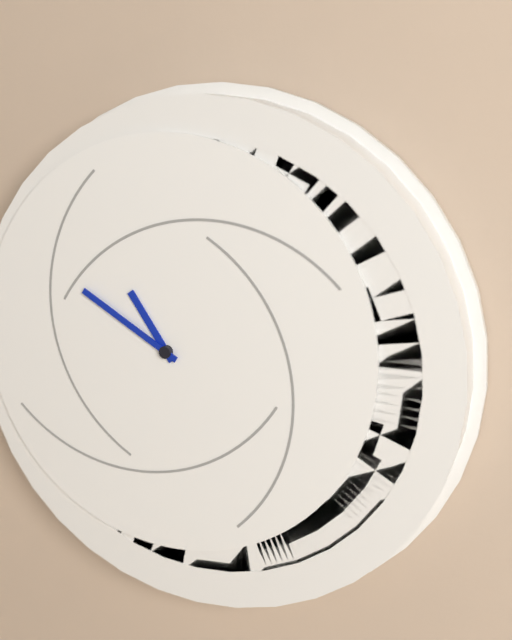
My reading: 10:50
